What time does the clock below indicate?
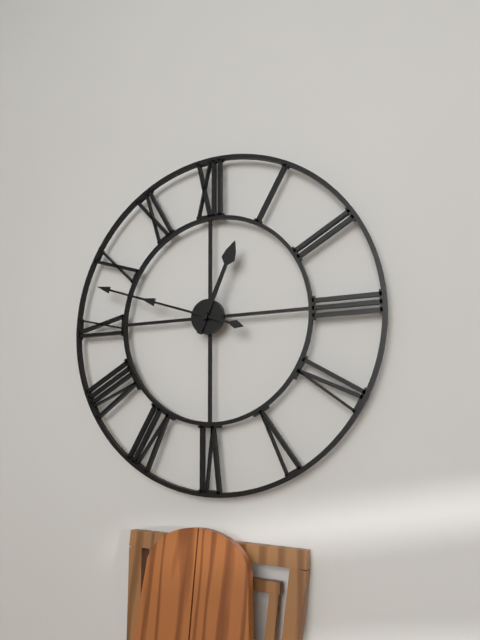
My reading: 12:48
